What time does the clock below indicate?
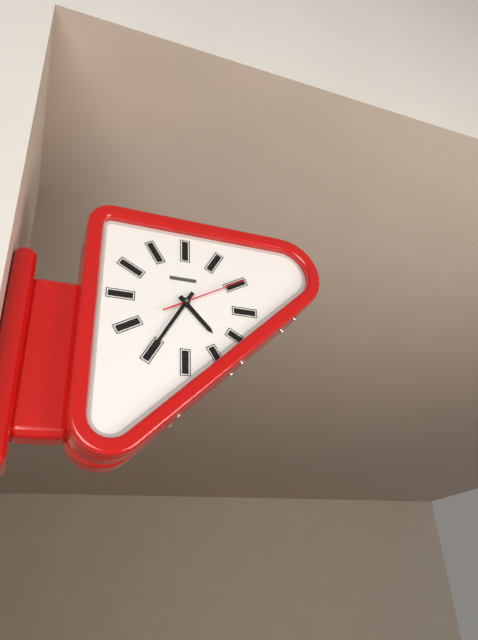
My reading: 4:35:10
